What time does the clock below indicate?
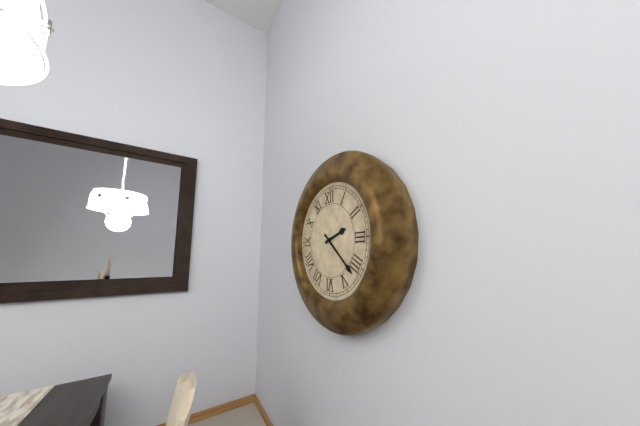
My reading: 2:22
